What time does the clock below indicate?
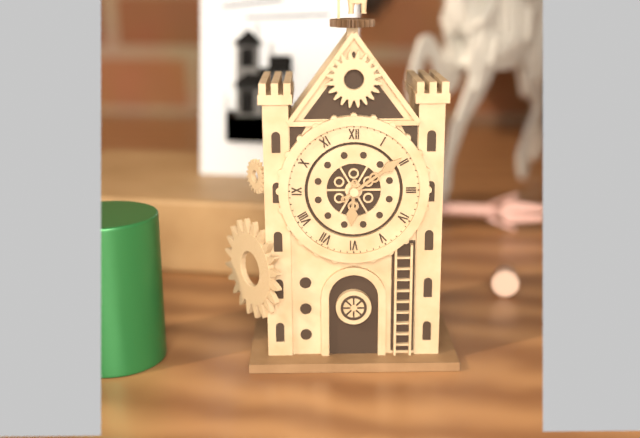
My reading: 6:09
